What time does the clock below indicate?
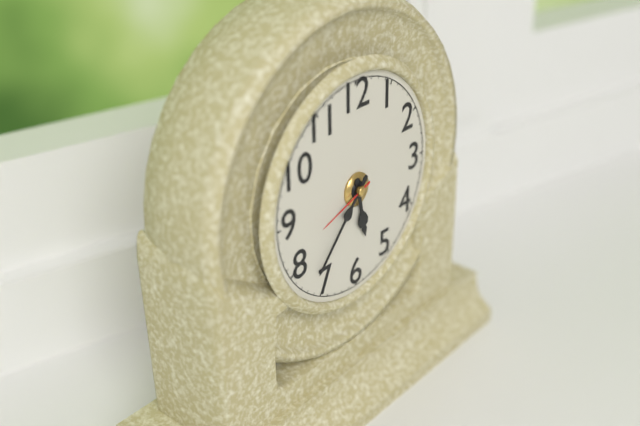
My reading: 5:37:42
